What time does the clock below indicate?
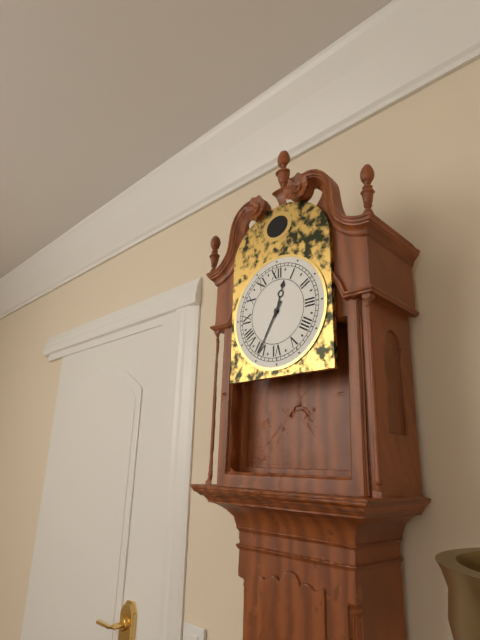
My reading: 12:35
